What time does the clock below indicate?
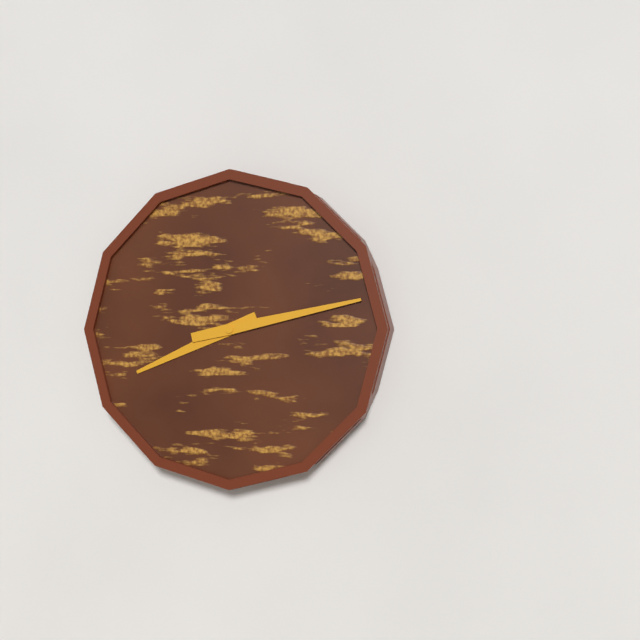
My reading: 8:13
